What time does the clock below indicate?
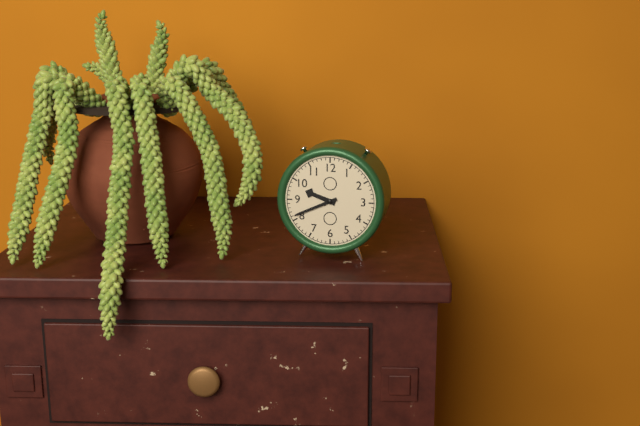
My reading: 9:41
